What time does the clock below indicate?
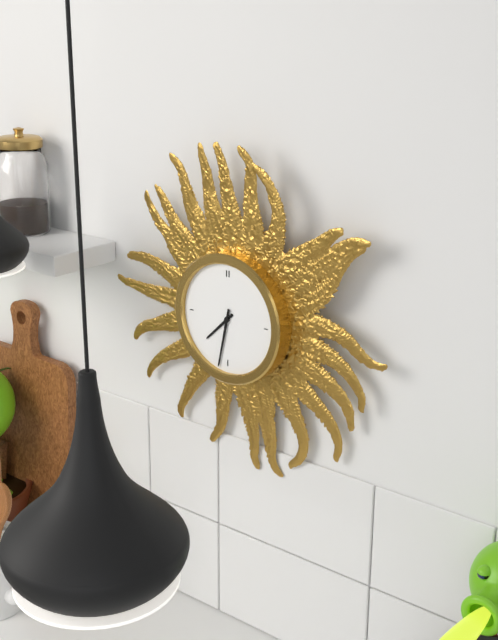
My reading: 7:32
